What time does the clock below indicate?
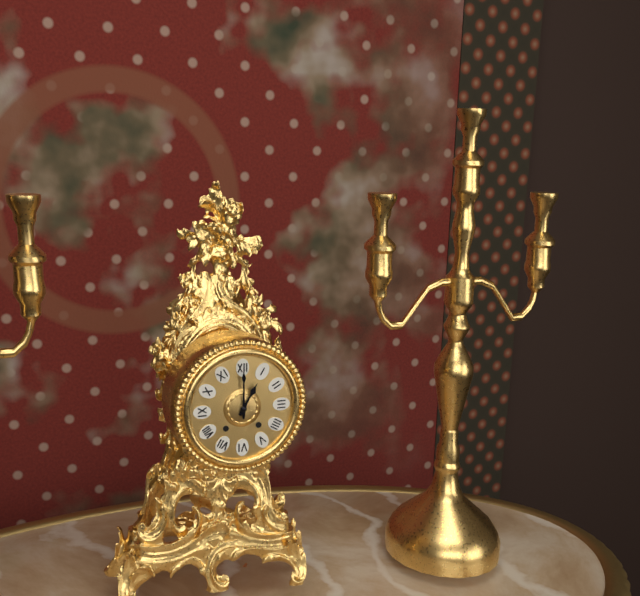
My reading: 1:00
